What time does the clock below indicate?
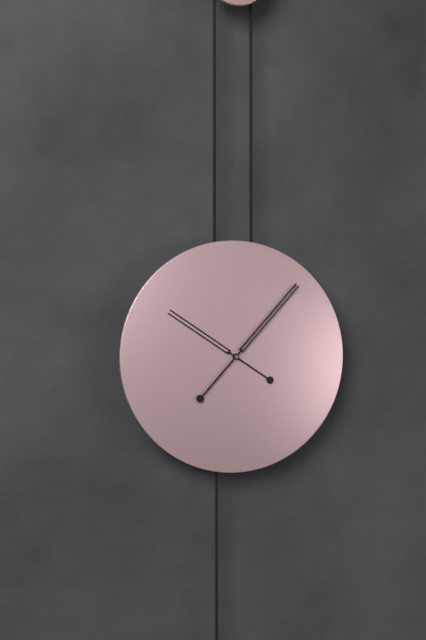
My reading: 10:07
